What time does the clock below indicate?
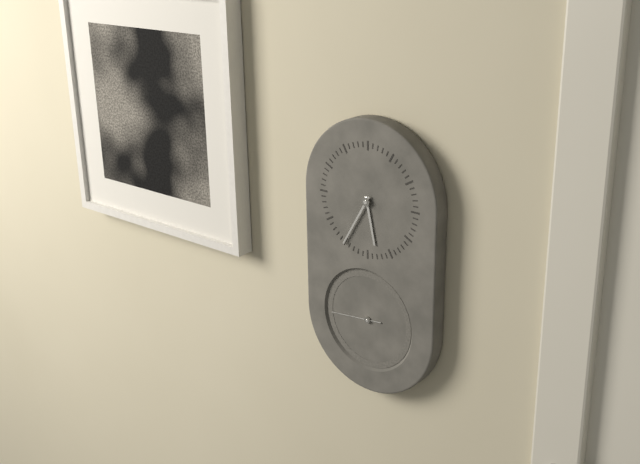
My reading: 5:35
